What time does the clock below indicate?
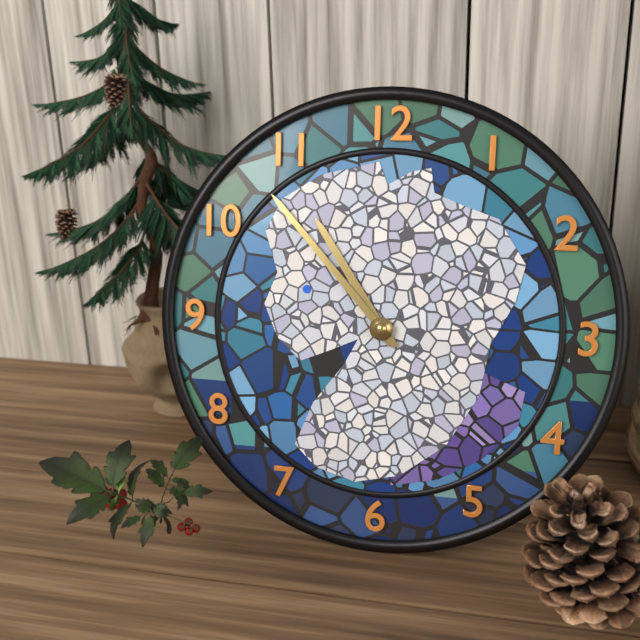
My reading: 10:53
